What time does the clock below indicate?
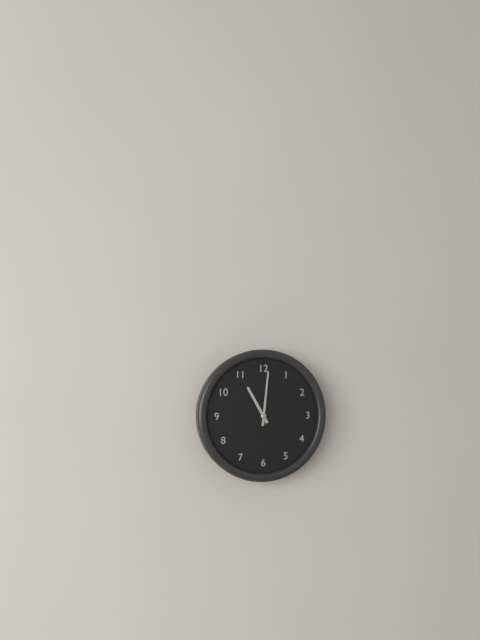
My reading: 11:01
